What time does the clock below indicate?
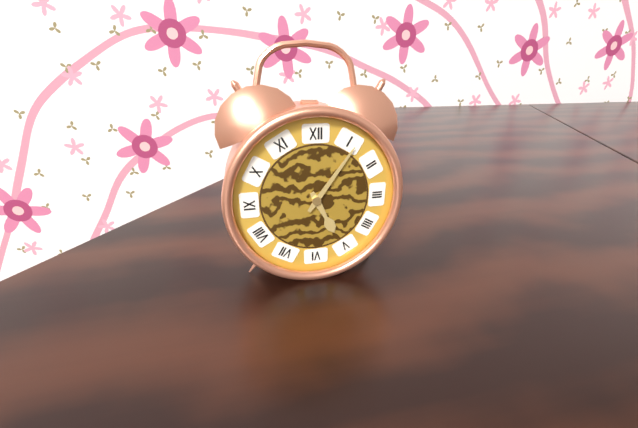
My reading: 5:06
